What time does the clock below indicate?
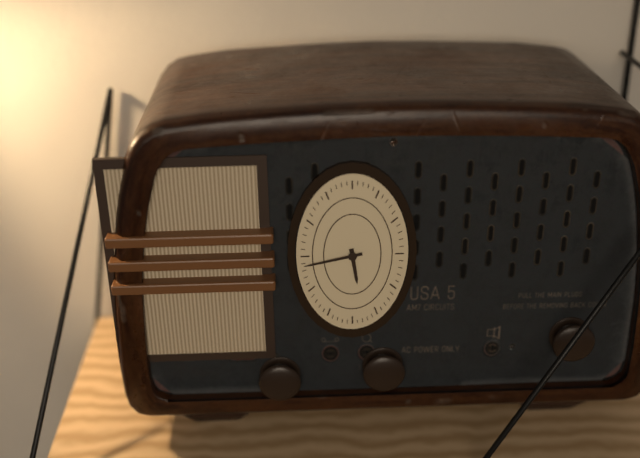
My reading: 5:43
